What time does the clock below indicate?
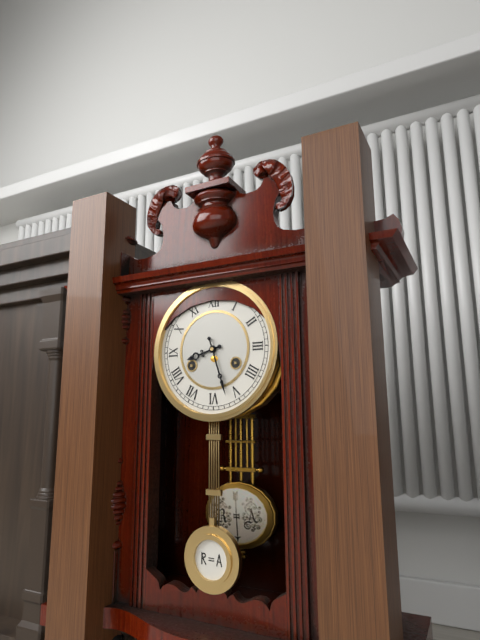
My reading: 8:27
